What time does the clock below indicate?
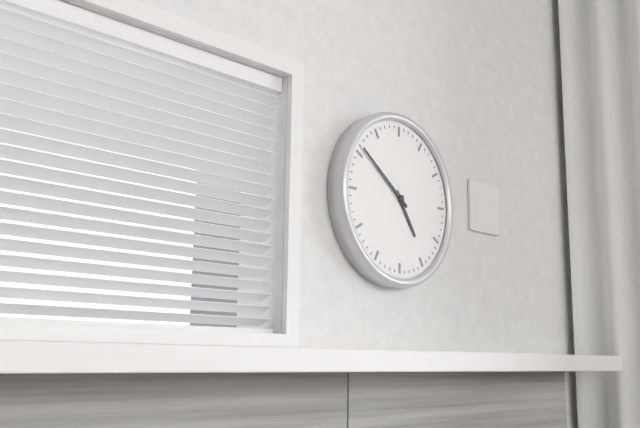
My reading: 4:51
